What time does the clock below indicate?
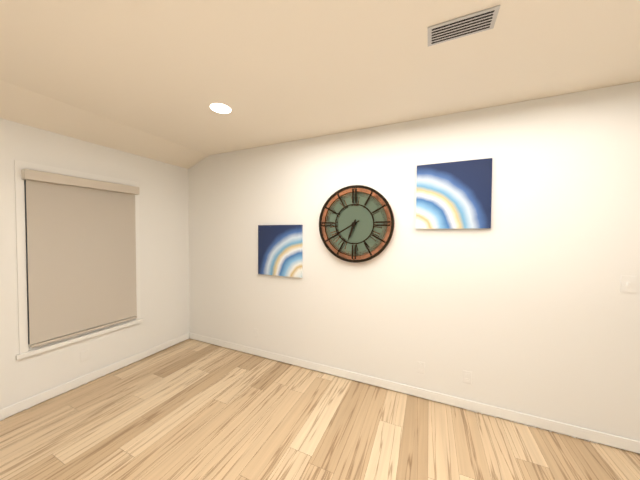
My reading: 6:40
